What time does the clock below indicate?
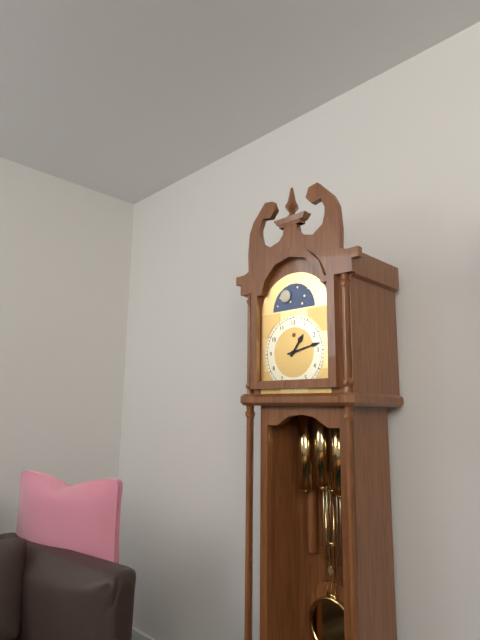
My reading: 1:13
